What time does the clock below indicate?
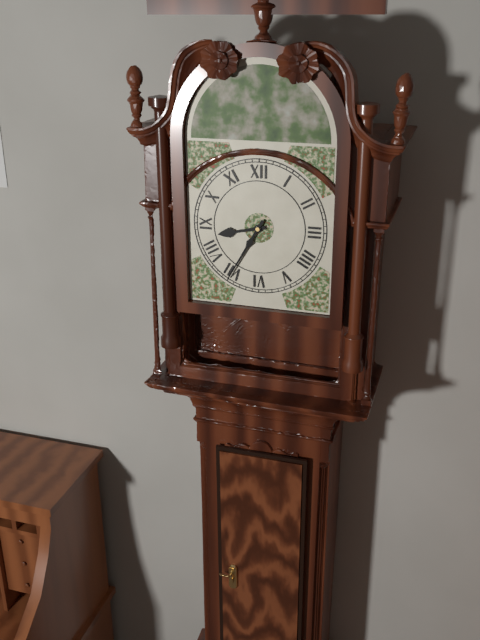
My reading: 8:35
